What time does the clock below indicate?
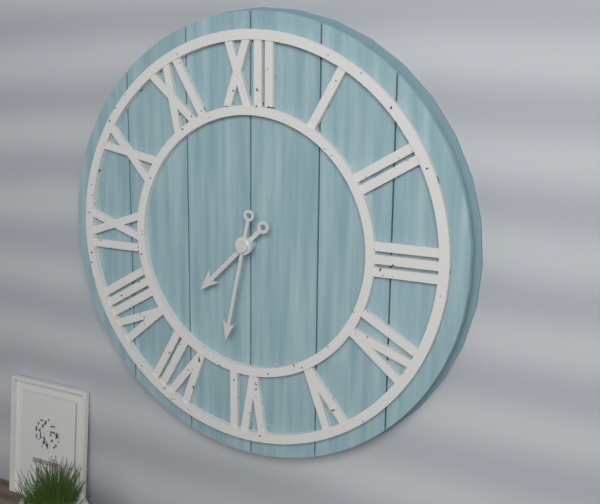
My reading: 7:32
